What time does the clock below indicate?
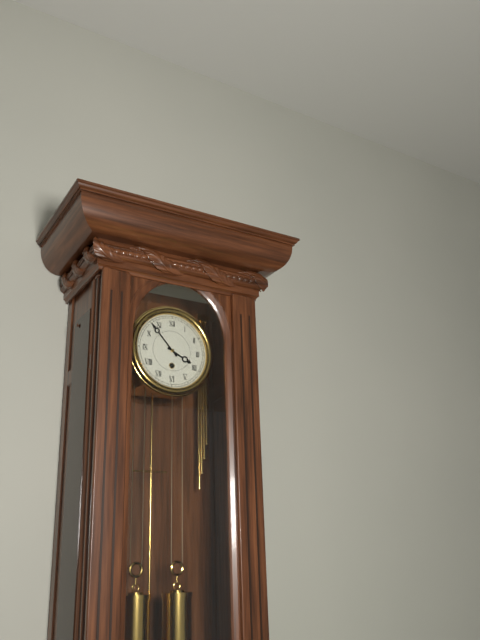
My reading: 3:53
